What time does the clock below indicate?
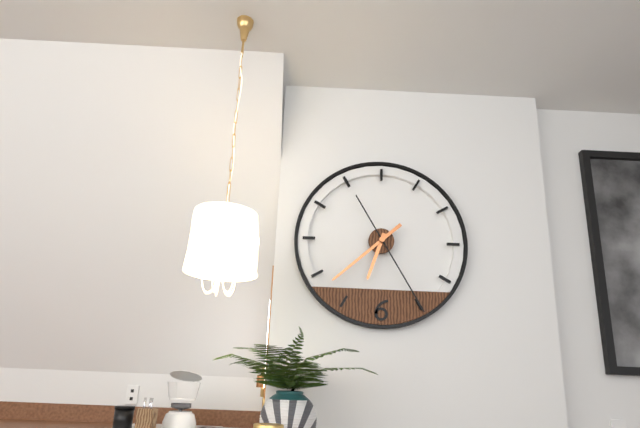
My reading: 6:38:25
